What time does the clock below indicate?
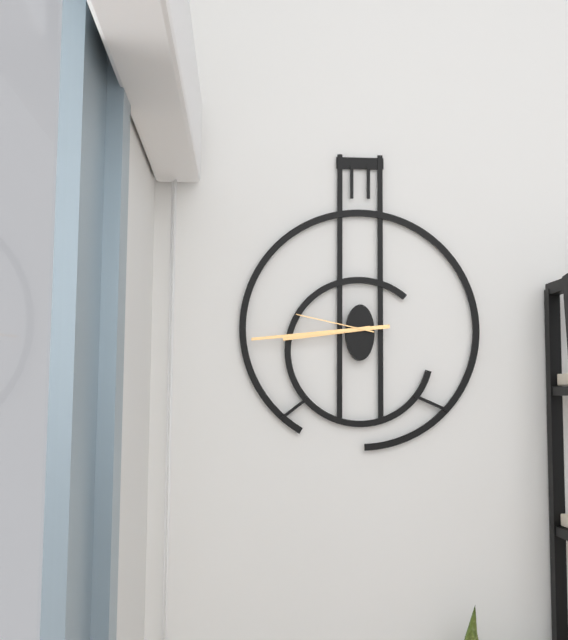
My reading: 8:44:47
